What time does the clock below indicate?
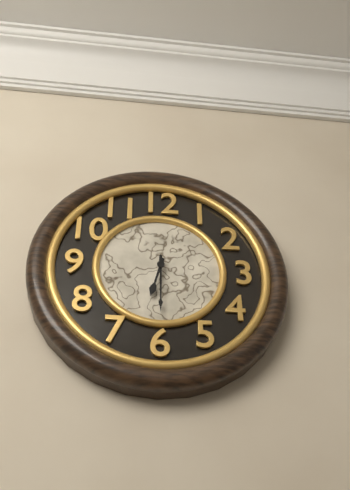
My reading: 6:30
